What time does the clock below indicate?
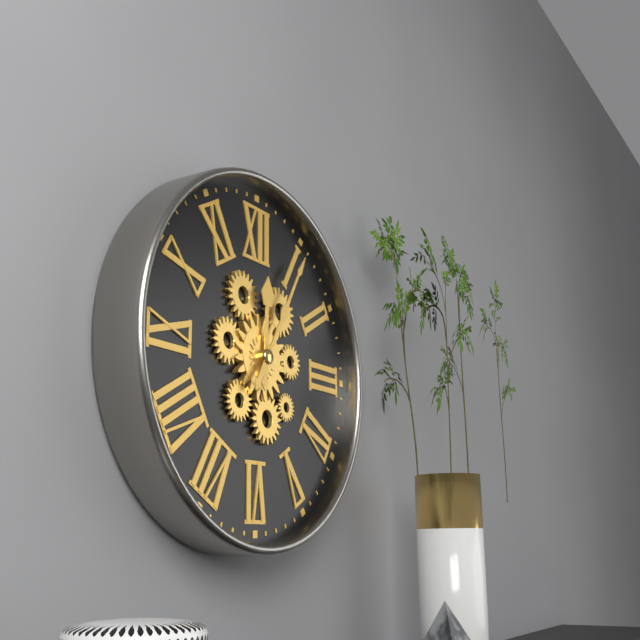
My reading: 12:05
